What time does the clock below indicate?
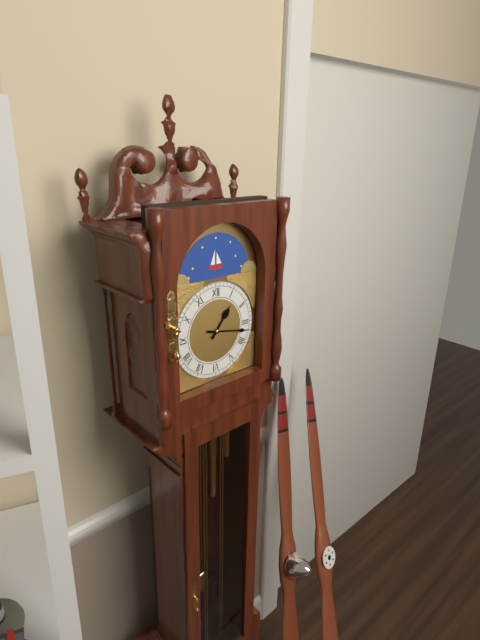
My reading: 1:17
